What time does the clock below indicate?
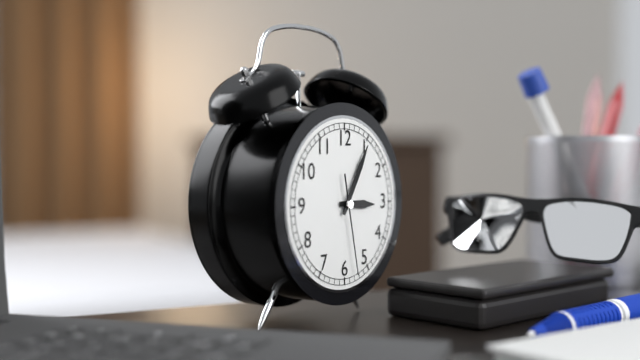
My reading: 3:05:28
